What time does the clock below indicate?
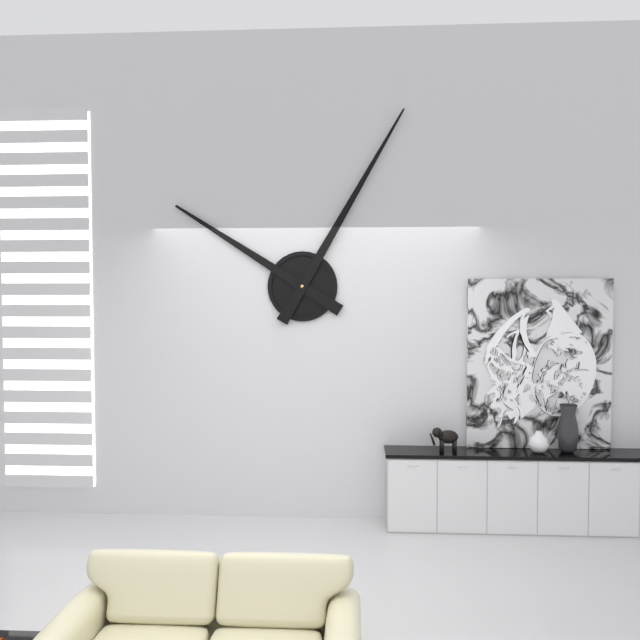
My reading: 10:05
